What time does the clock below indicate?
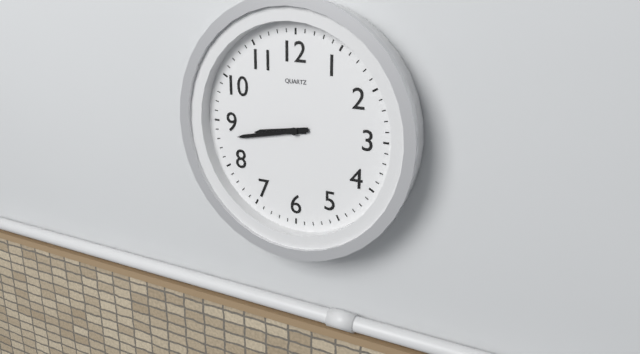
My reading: 8:43
